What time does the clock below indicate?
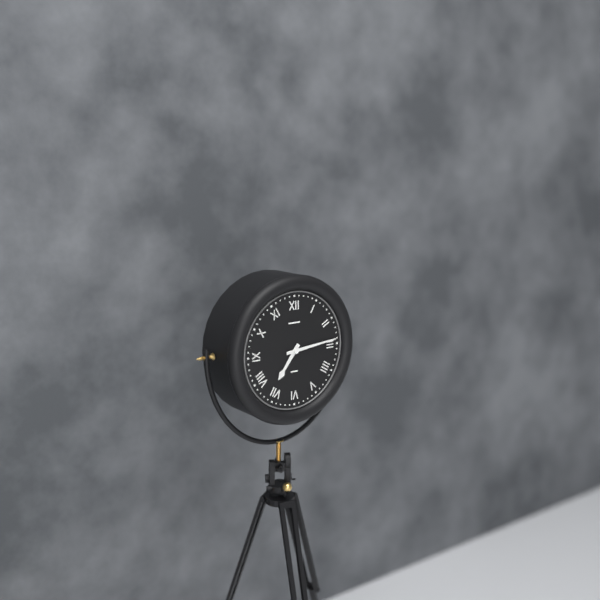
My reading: 7:14
